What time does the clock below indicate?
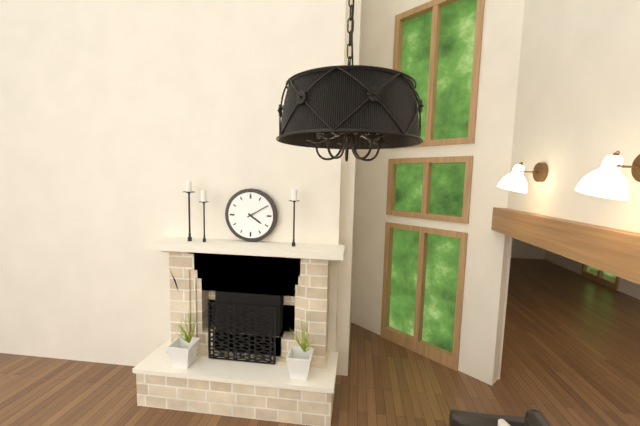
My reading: 4:10
